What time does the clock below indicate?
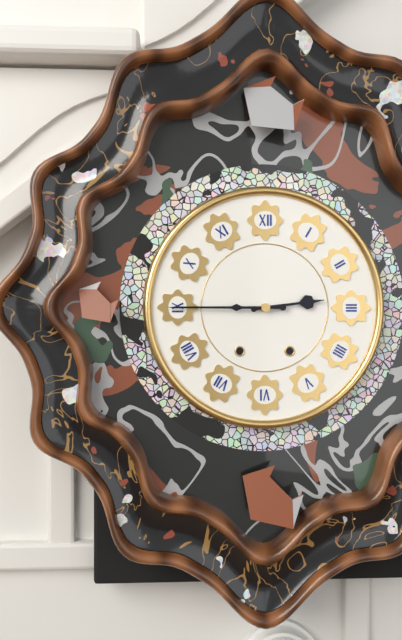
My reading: 2:45
